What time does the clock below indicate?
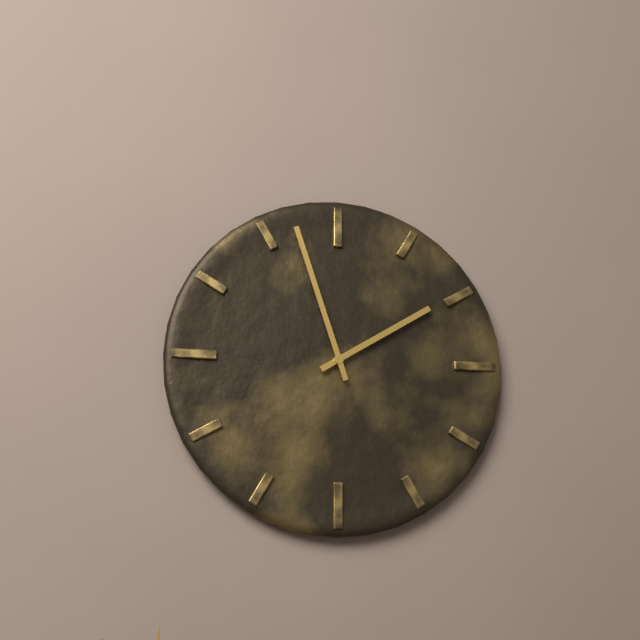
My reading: 1:57
